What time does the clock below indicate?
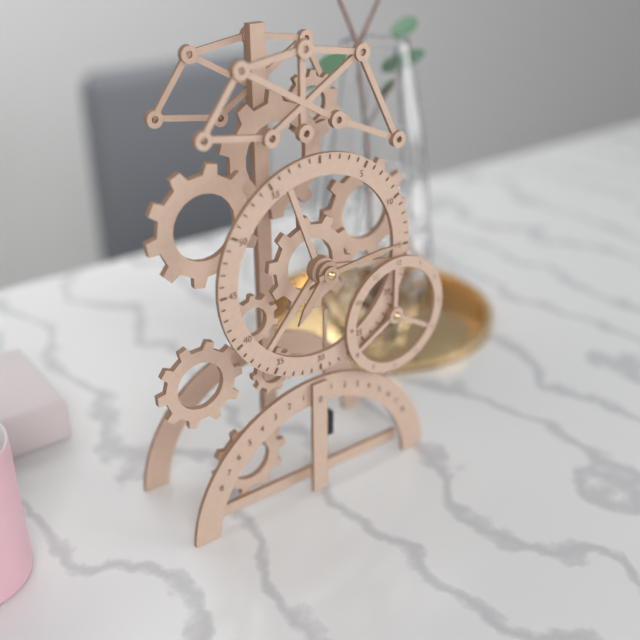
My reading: 7:14
